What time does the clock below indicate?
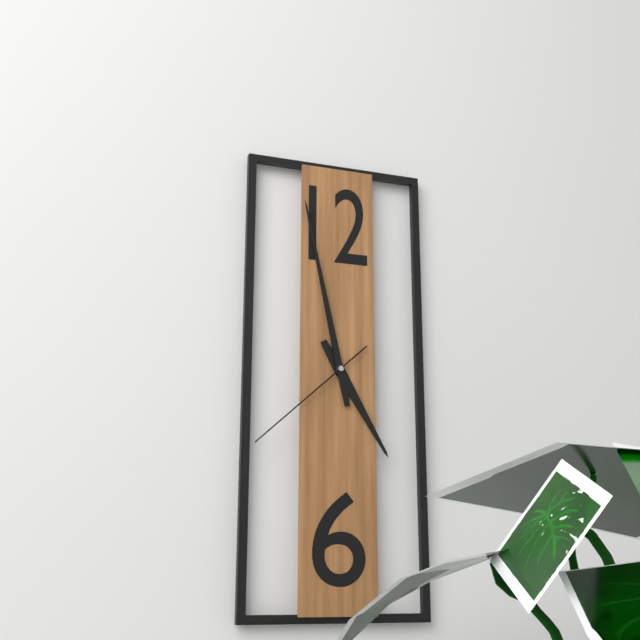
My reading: 4:58:38
